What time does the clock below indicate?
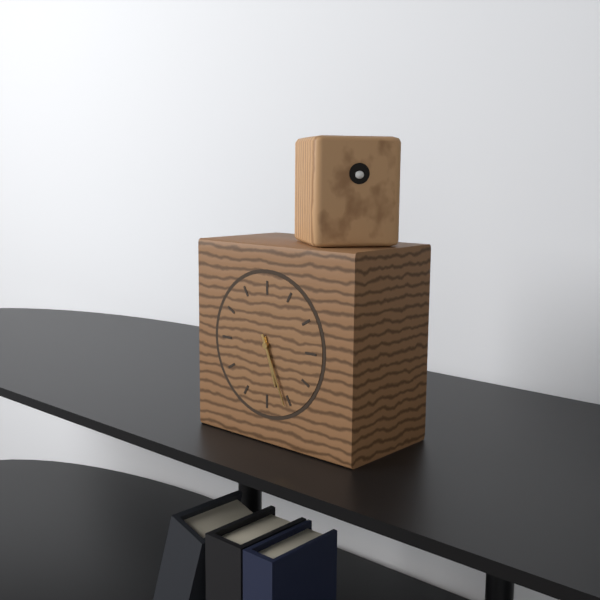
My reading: 5:26
